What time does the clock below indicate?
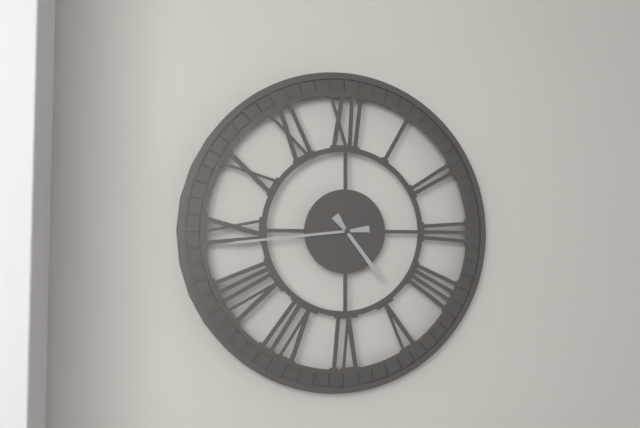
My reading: 4:44
